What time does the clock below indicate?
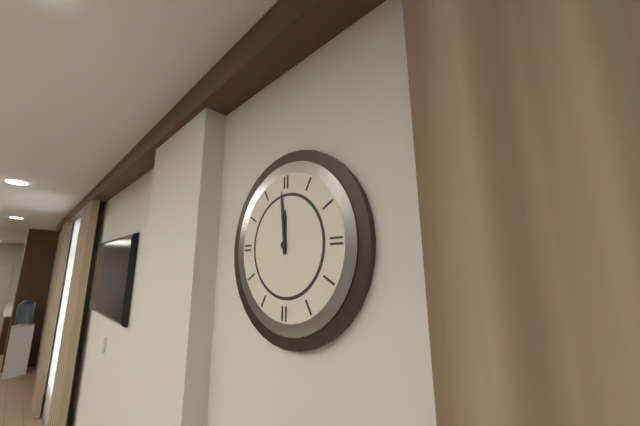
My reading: 11:59
